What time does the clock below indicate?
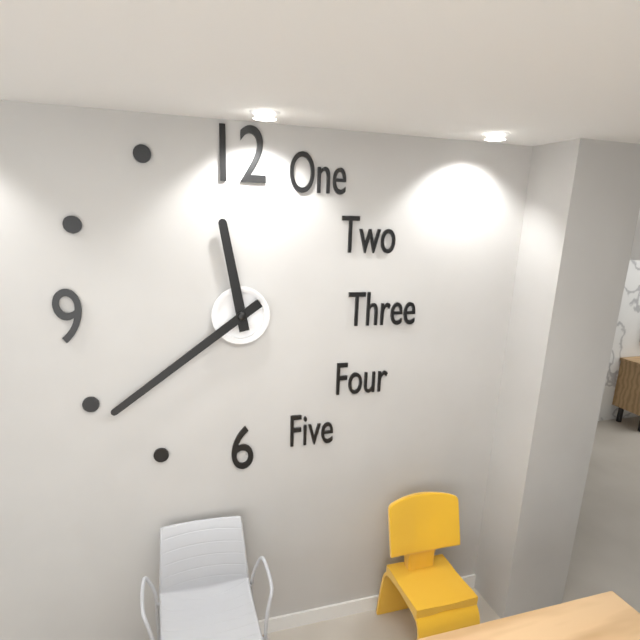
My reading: 11:39
